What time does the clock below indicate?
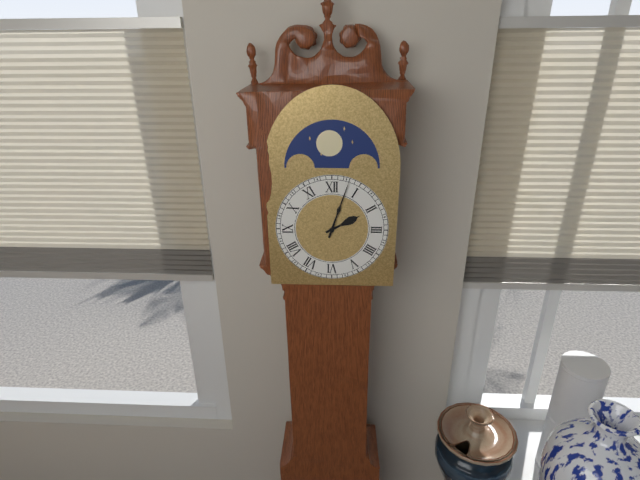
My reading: 2:03
